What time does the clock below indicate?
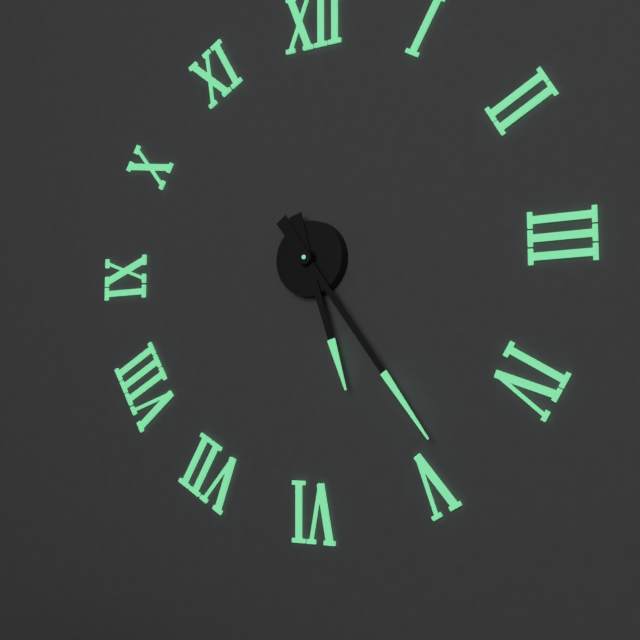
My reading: 5:24
